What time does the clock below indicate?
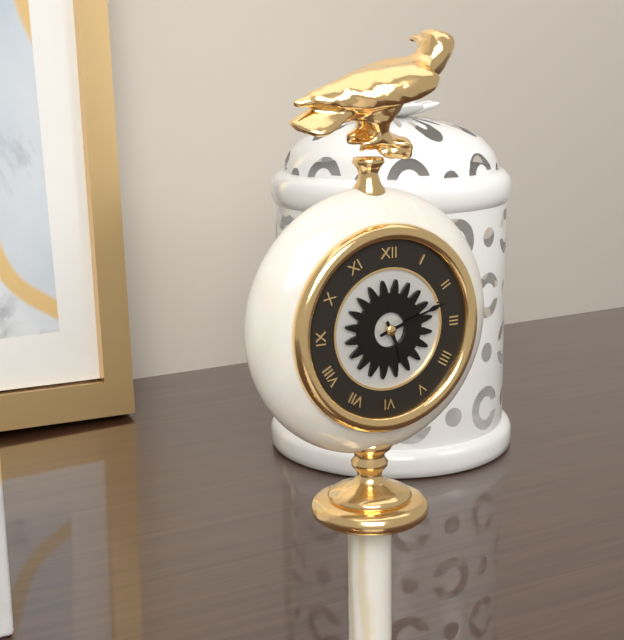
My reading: 5:12
